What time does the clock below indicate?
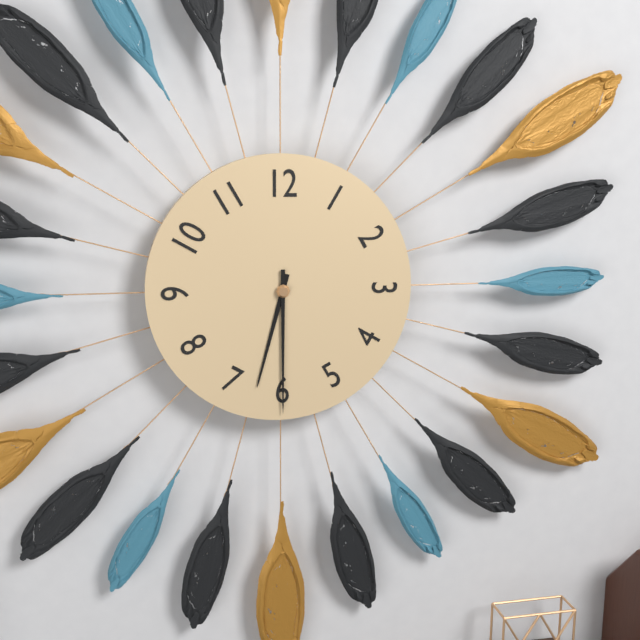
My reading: 6:30
